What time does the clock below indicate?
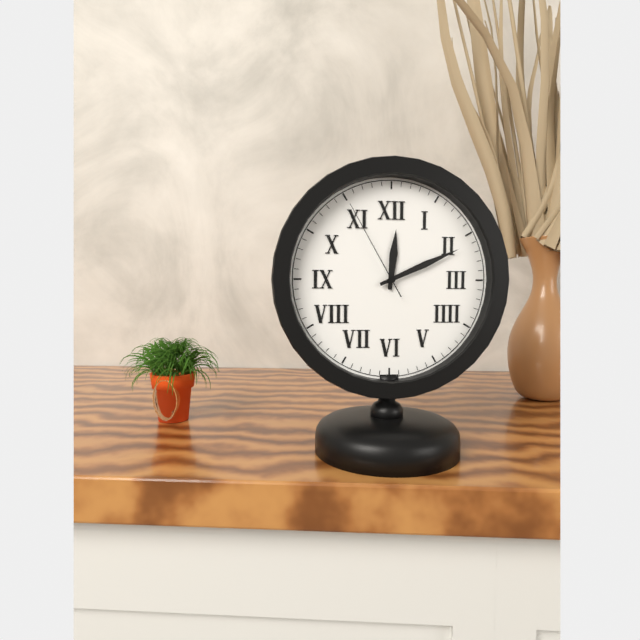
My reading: 12:11:55
